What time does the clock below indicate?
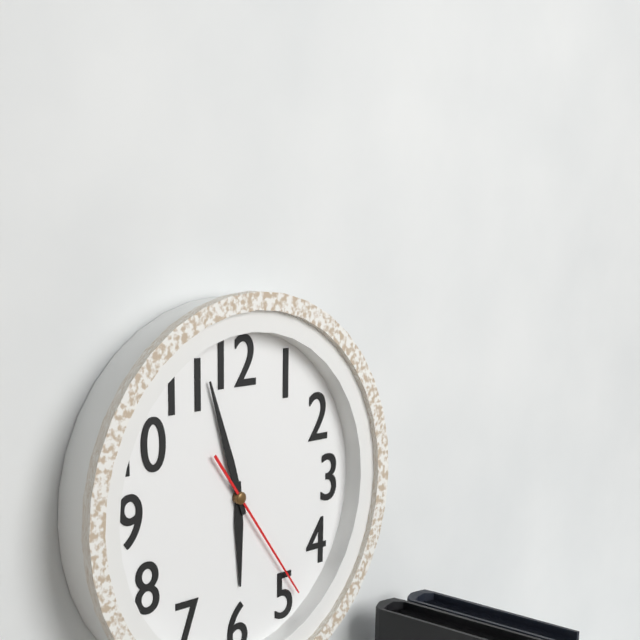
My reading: 5:57:24
